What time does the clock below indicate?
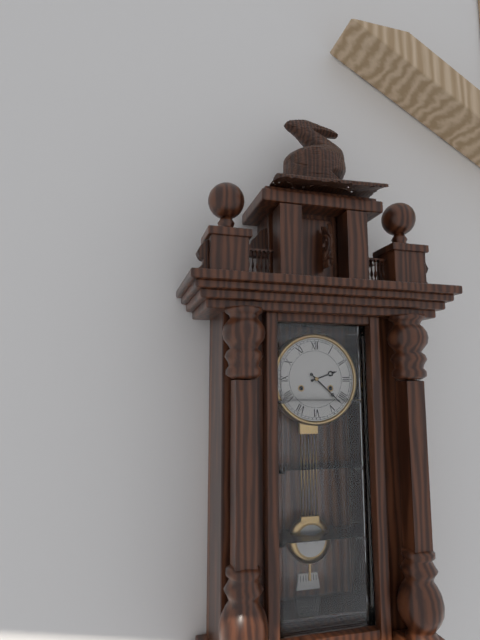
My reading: 2:22
